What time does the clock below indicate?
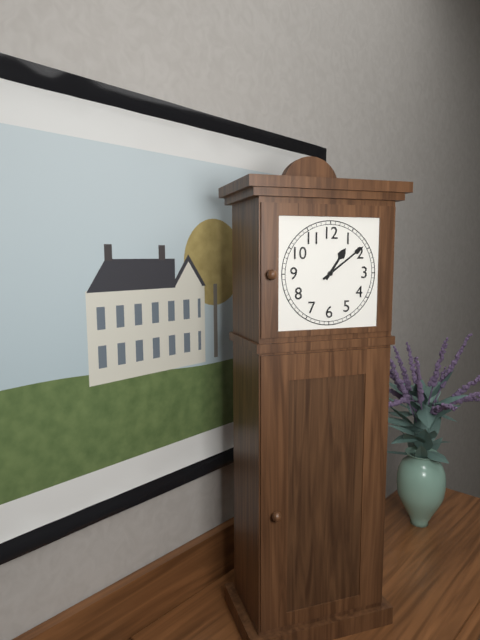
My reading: 1:09
